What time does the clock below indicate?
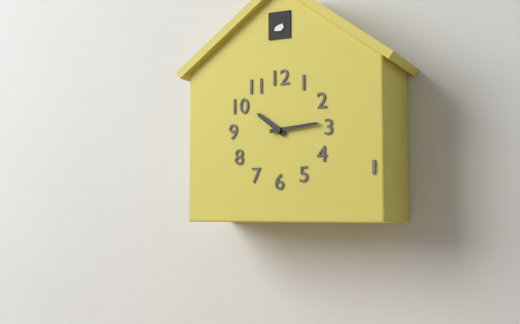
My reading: 10:14
